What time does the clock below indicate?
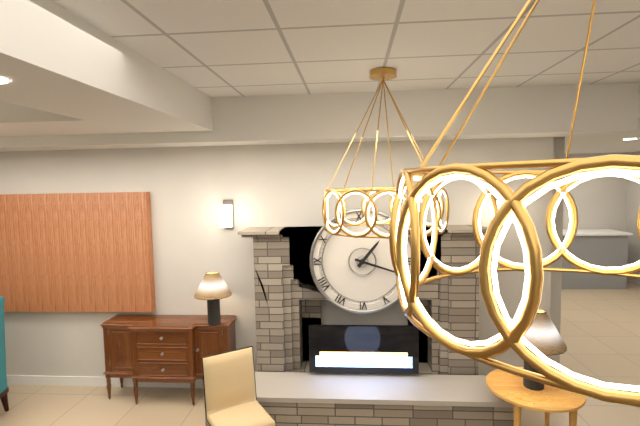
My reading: 1:18
